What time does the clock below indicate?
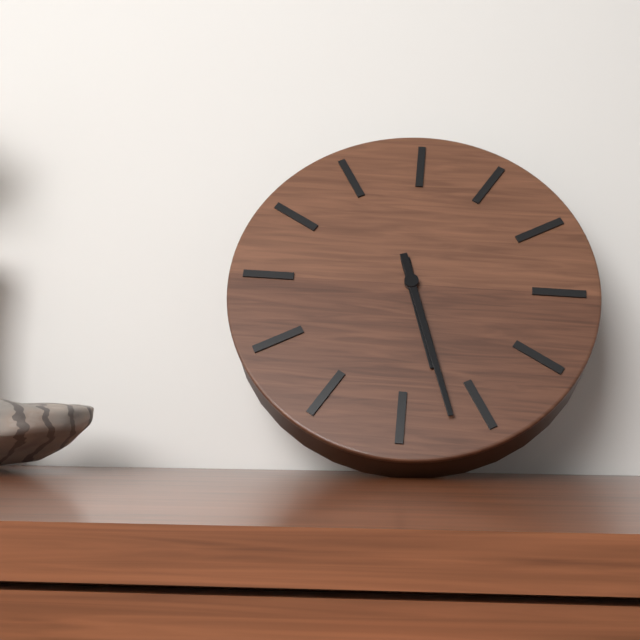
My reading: 5:27
